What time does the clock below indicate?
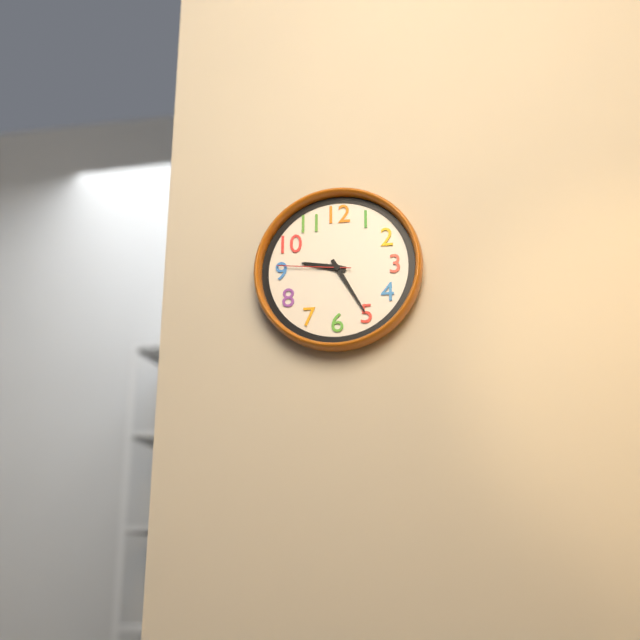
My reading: 9:25:46
